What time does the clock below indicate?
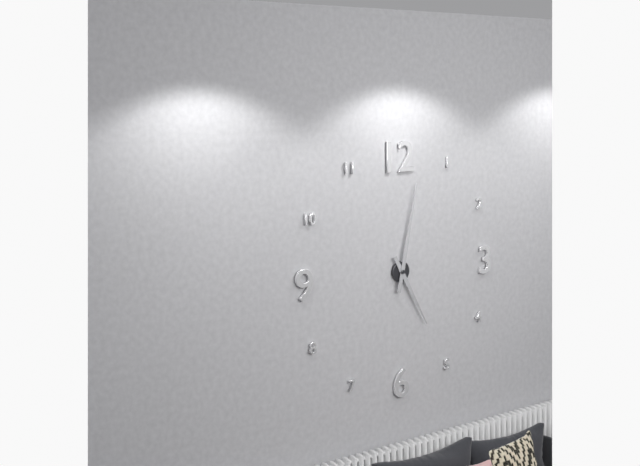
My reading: 5:02
